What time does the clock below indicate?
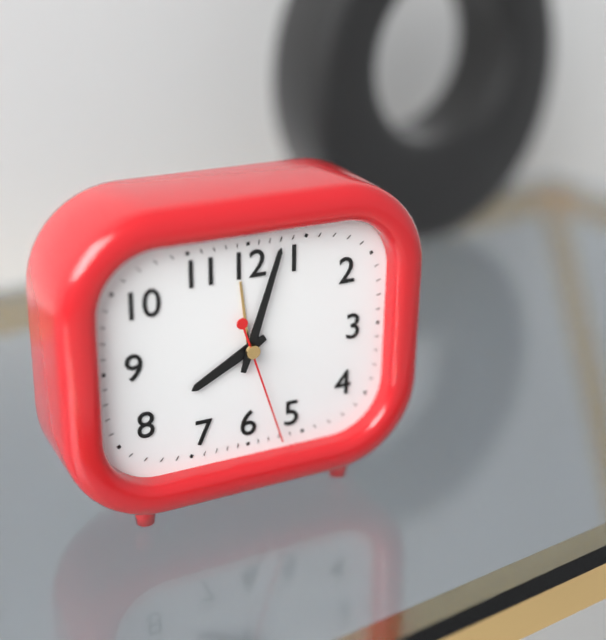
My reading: 8:03:27
